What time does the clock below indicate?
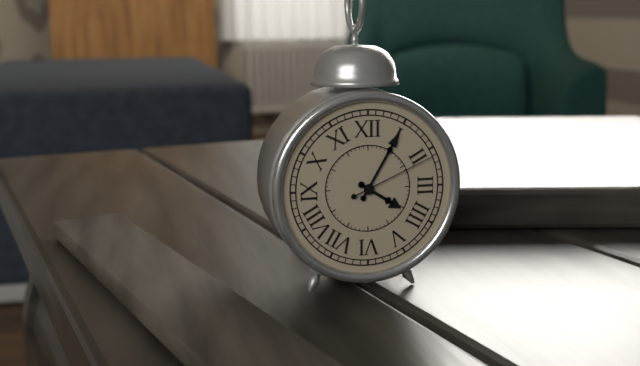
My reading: 4:05:11
